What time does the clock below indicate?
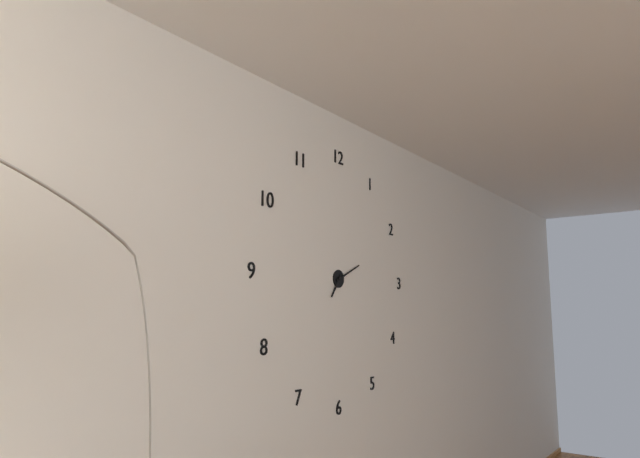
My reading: 7:11
